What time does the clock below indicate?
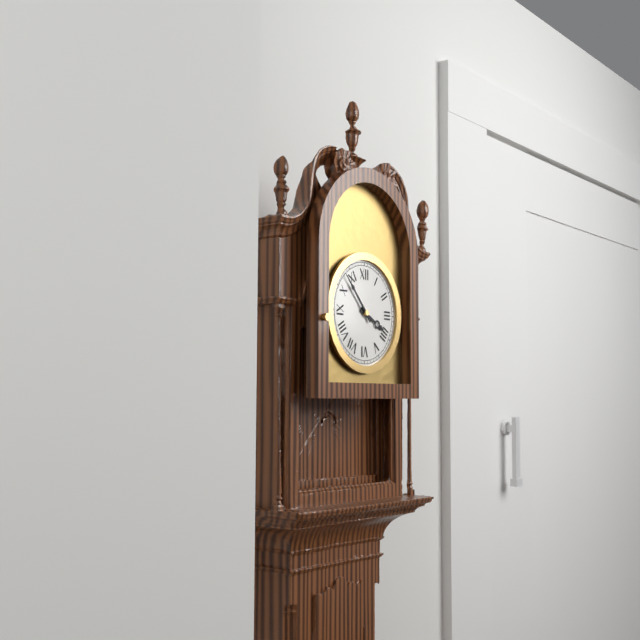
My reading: 3:53
